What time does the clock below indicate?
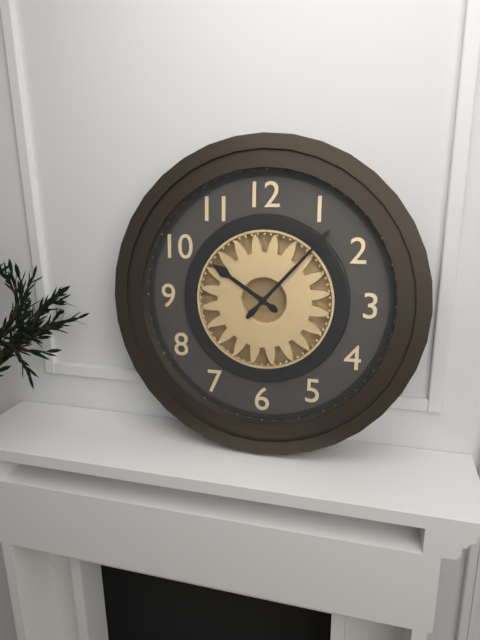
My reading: 10:07
